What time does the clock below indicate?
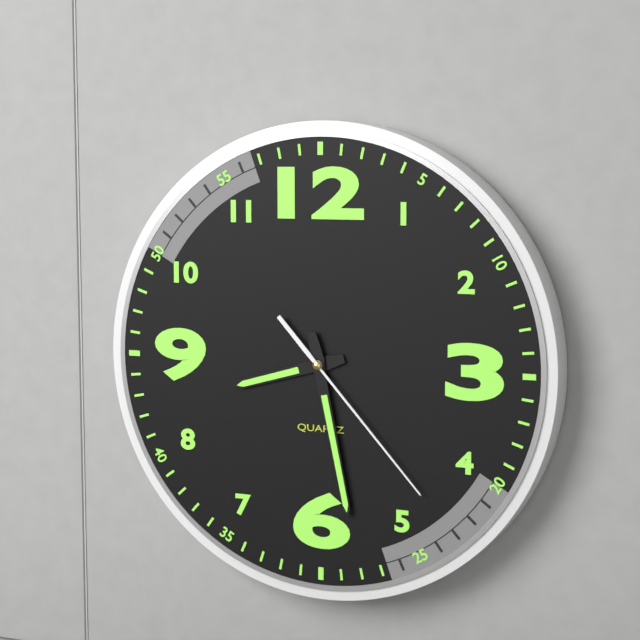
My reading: 8:28:23
